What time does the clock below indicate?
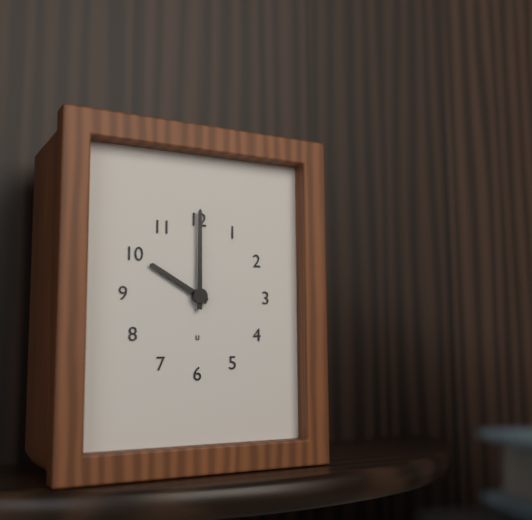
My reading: 10:00
